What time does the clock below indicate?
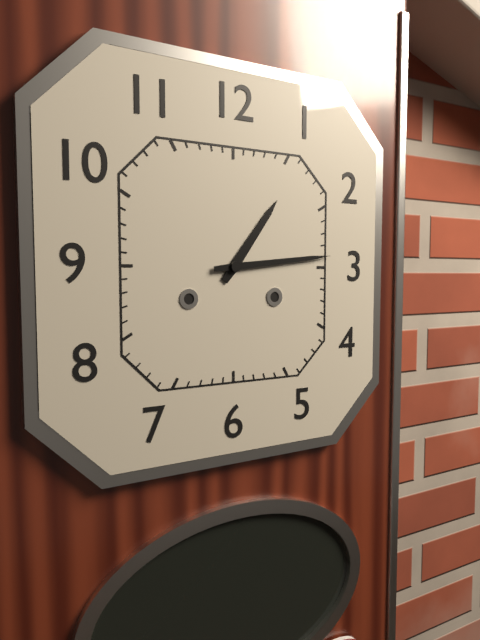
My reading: 1:14
